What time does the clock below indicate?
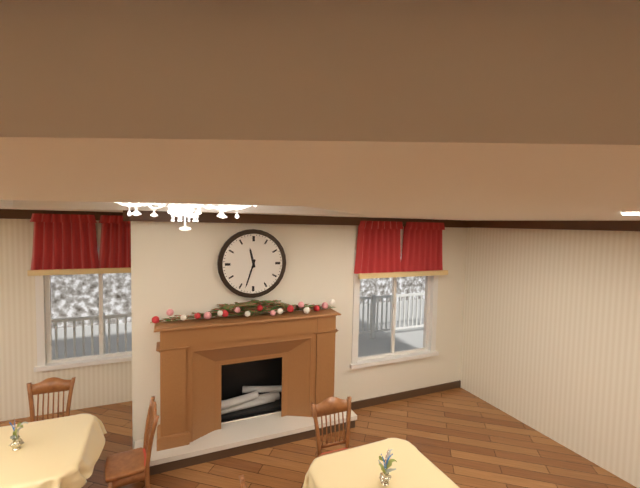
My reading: 11:33
